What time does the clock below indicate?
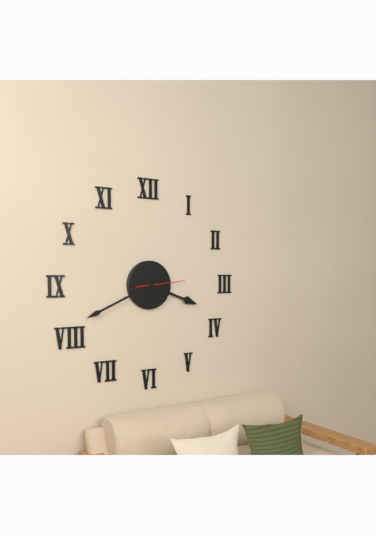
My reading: 3:41
